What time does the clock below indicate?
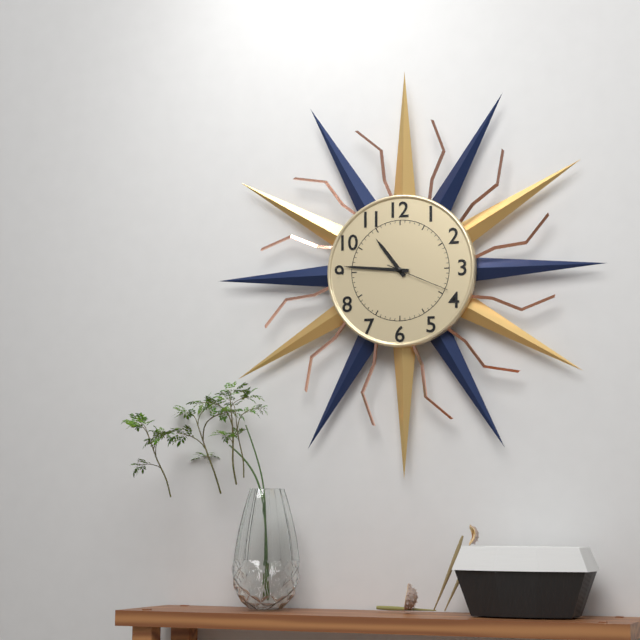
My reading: 10:46:19
